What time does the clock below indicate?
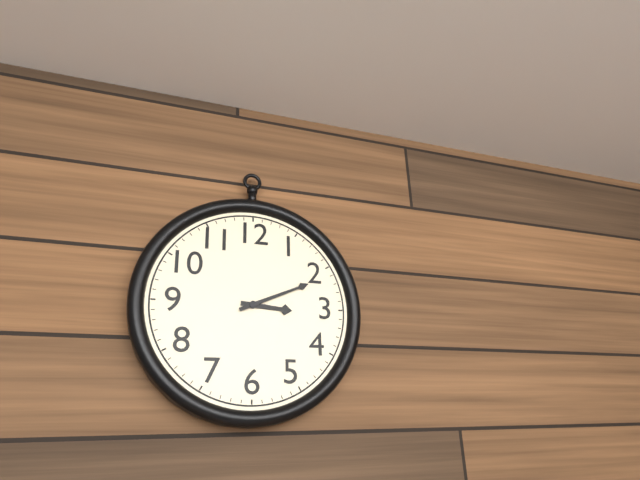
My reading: 3:11
